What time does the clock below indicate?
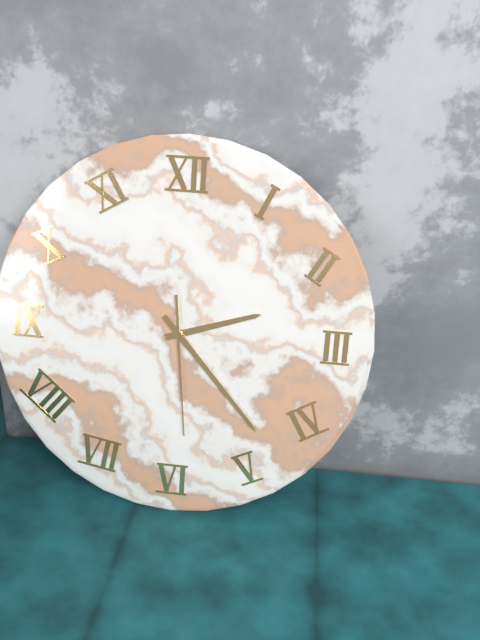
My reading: 2:23:29
